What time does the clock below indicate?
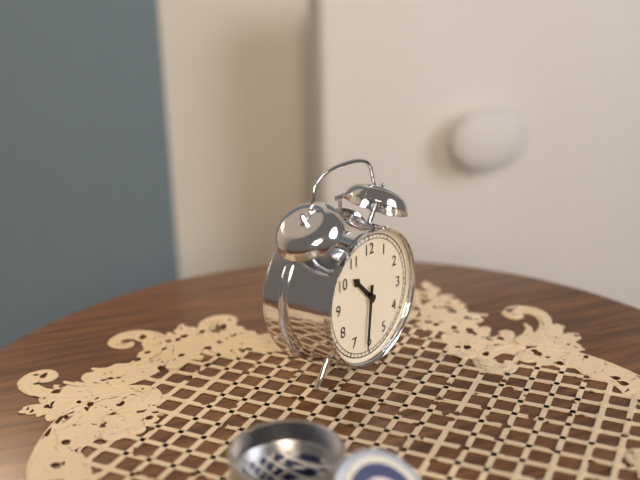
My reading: 10:31
